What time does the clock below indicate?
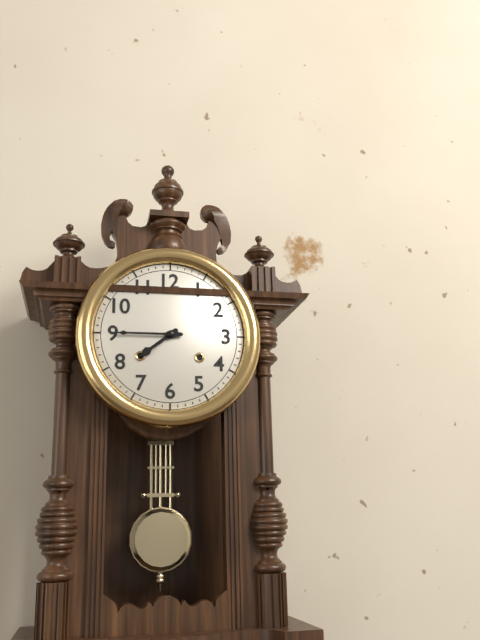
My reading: 7:45
